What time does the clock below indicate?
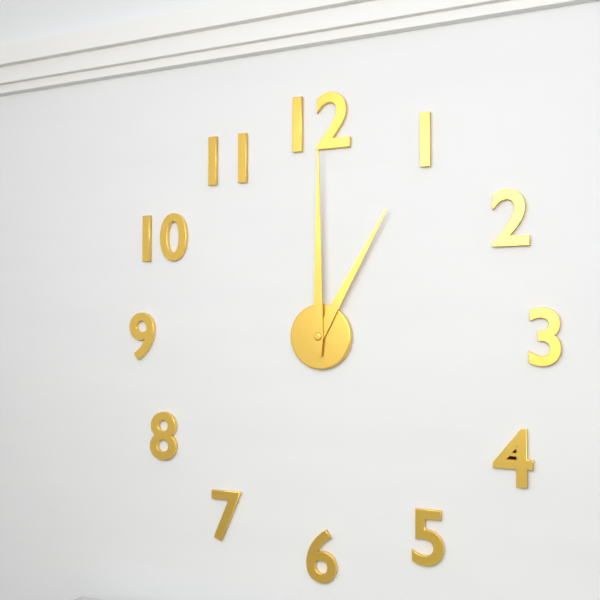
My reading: 1:00
